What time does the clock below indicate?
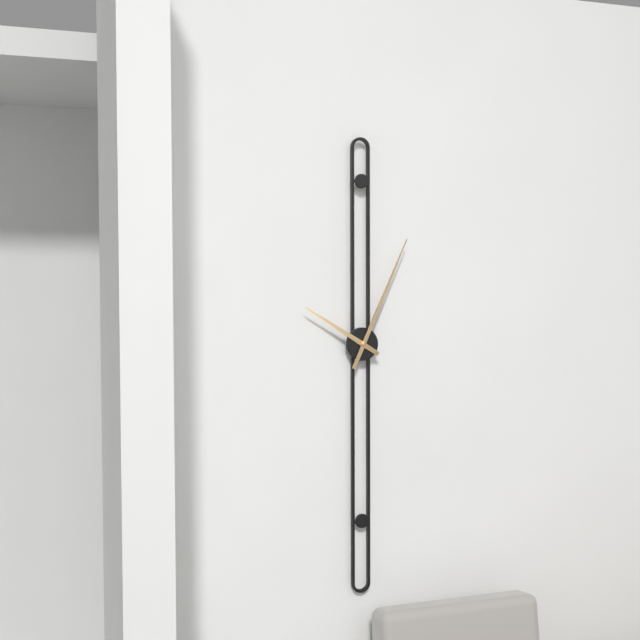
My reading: 10:04
